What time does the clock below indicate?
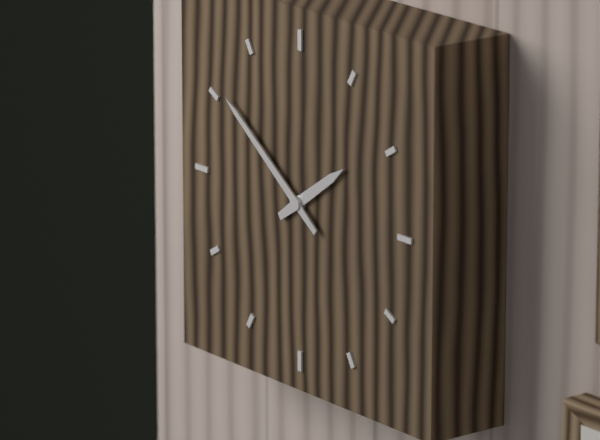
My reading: 1:51
